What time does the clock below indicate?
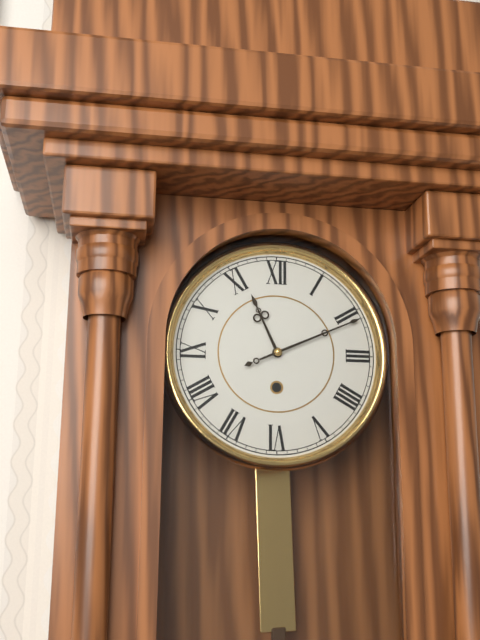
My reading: 11:11
